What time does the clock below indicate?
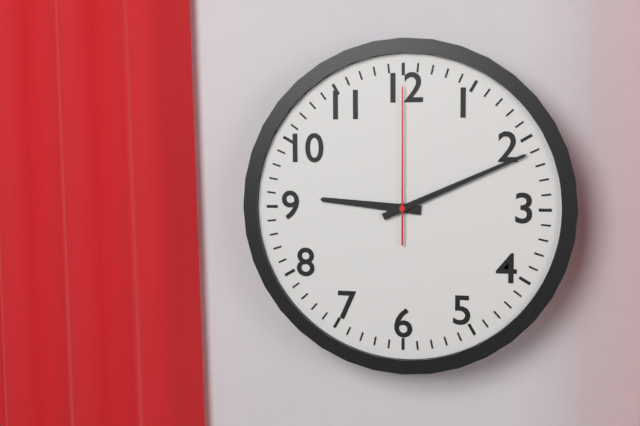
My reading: 9:11:00
